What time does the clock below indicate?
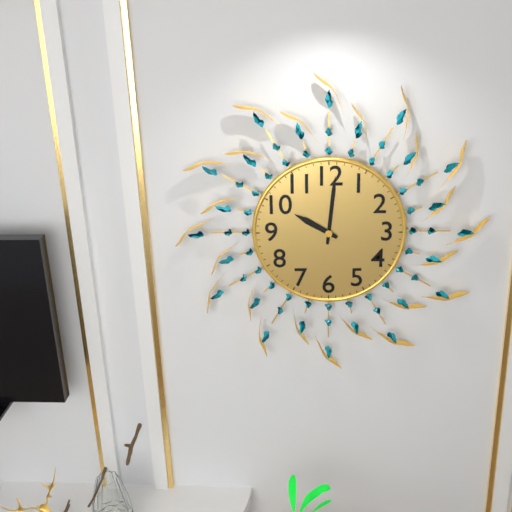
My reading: 10:01
